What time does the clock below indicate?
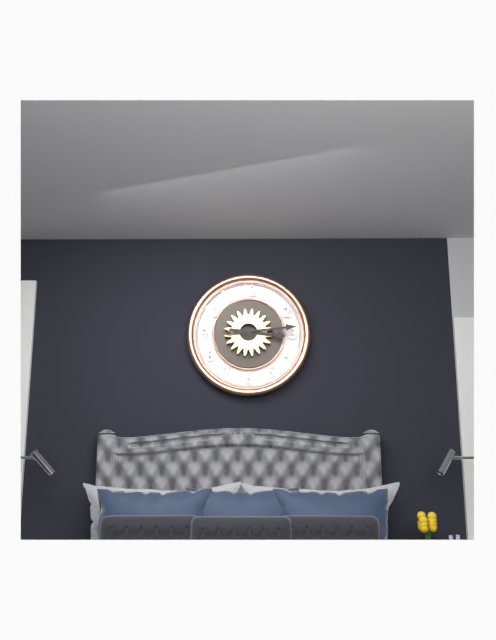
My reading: 3:14
